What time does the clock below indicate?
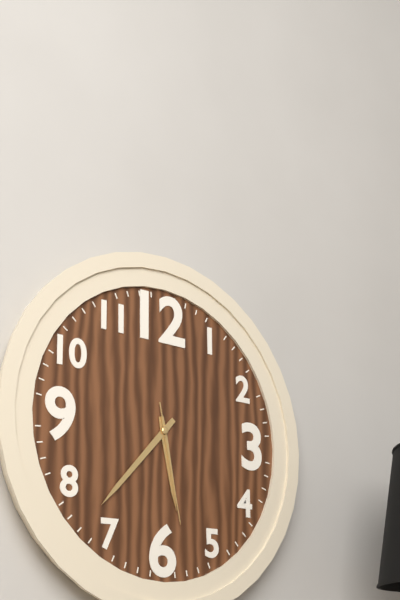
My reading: 5:37:28
